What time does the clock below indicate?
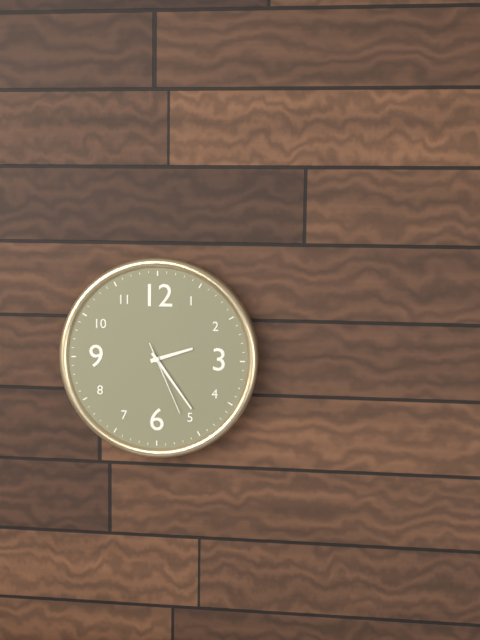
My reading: 2:24:26
